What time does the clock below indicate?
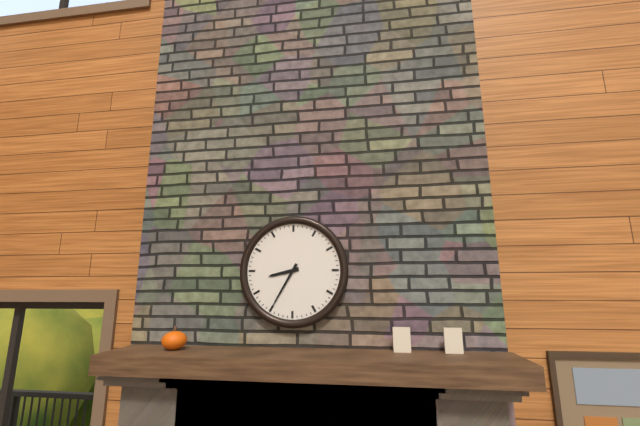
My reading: 8:35
